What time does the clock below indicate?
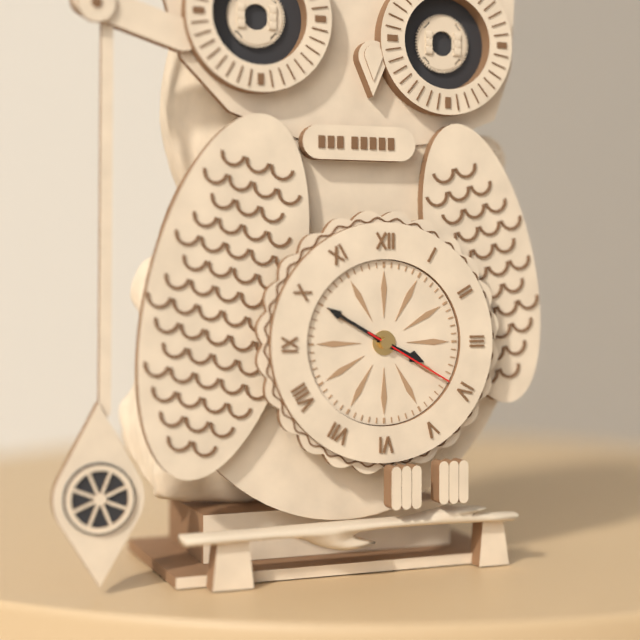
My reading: 3:50:20
